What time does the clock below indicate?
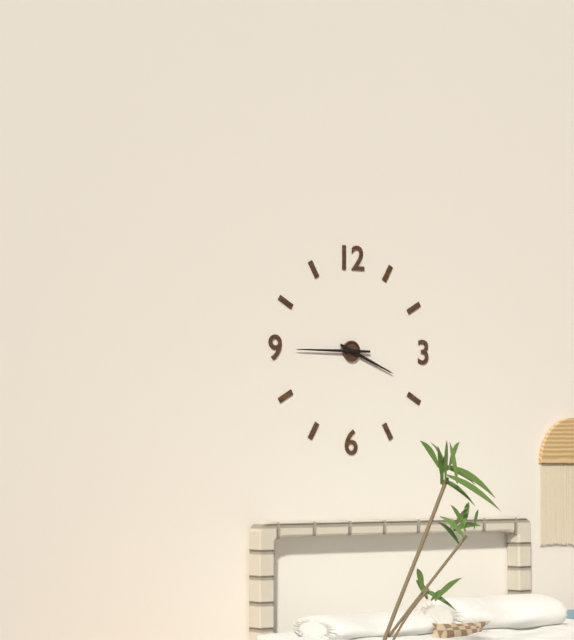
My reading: 3:45
